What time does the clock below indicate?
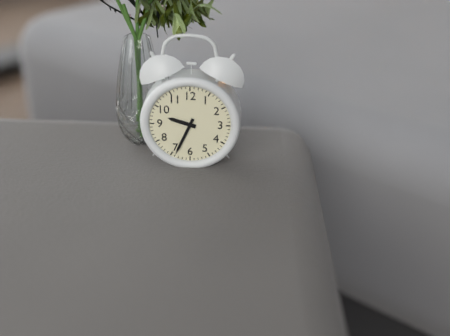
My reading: 9:34
